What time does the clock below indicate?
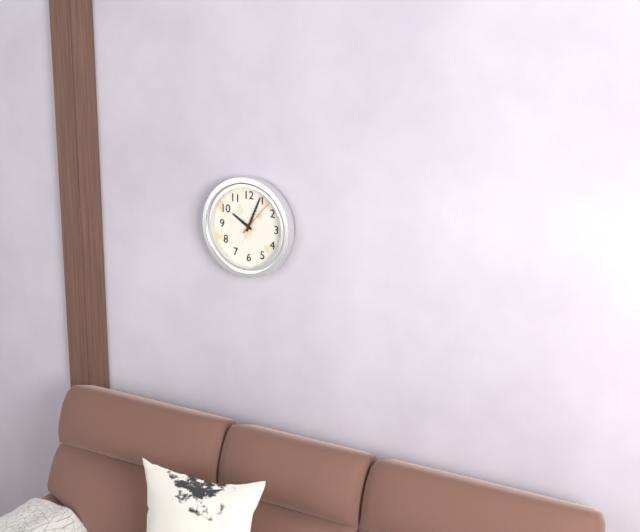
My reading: 10:04
